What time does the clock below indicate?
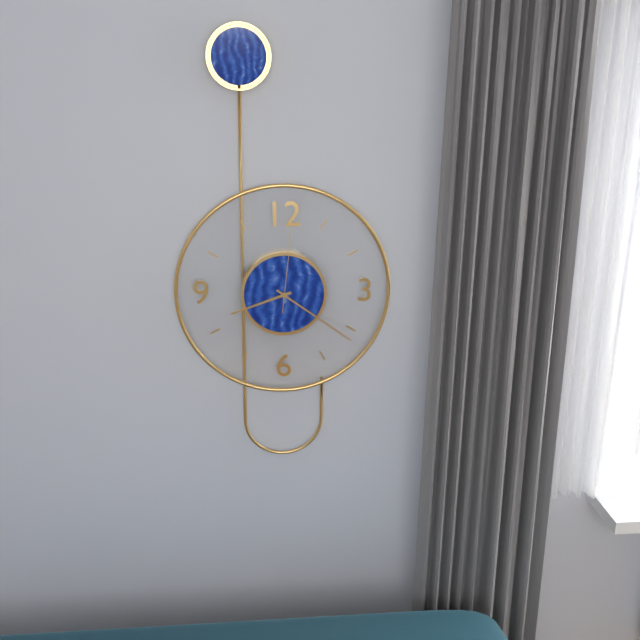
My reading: 8:21:01
